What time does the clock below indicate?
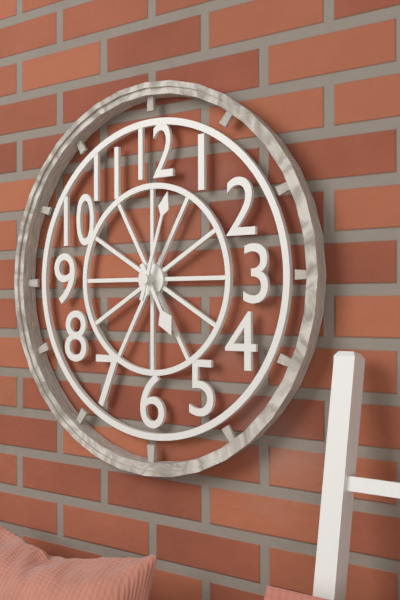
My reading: 5:03
